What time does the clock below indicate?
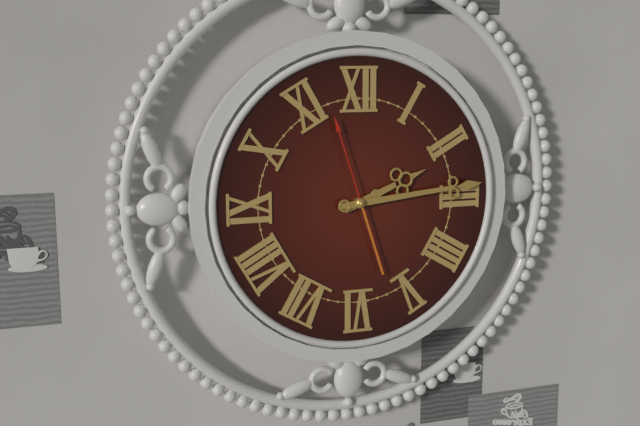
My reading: 2:14:57
